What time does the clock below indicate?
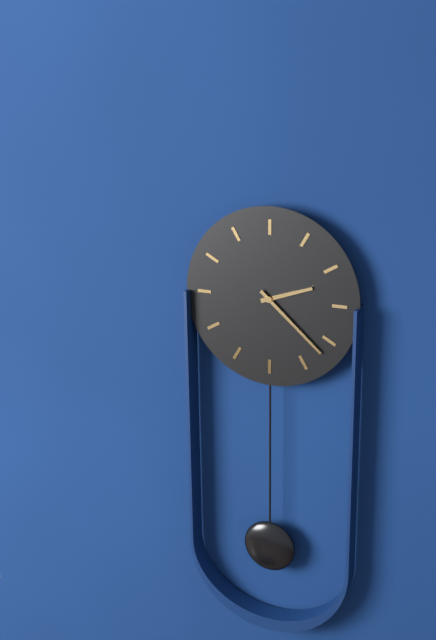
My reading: 2:22
